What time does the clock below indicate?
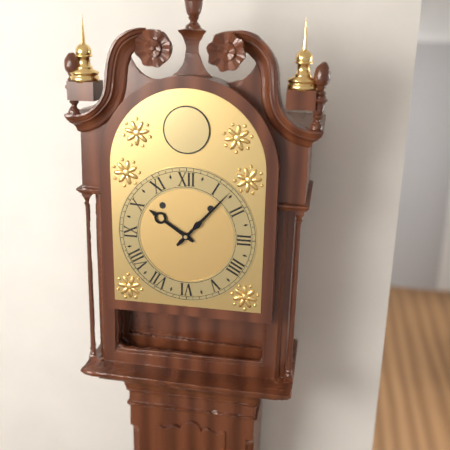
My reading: 10:07
